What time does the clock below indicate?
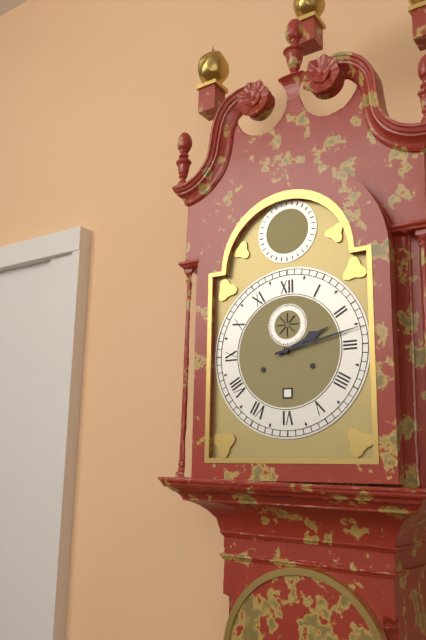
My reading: 2:13
